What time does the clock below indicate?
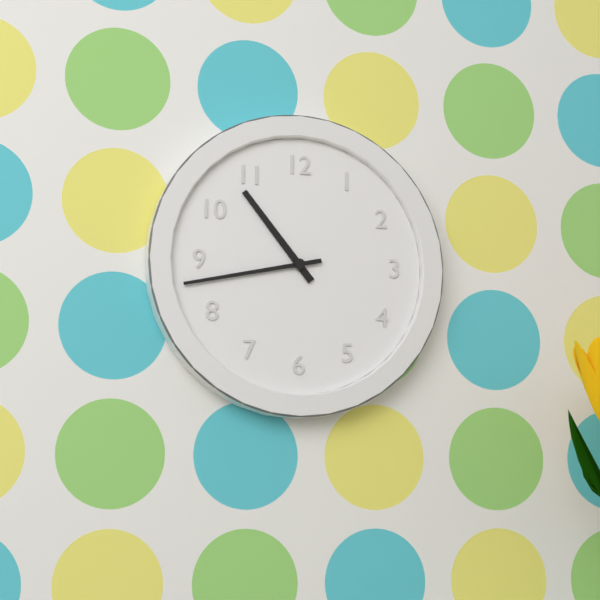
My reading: 10:43
